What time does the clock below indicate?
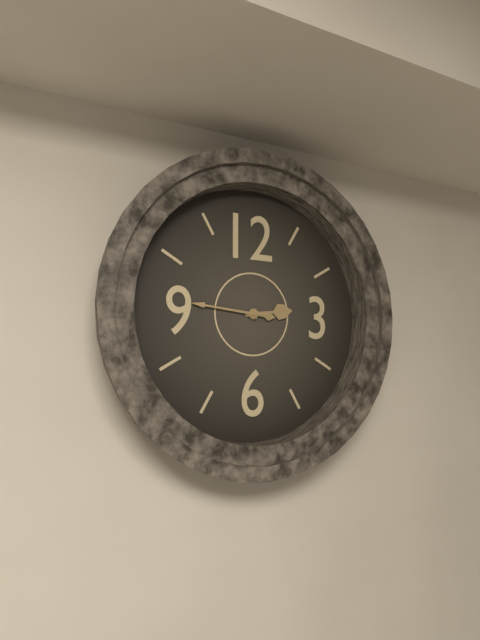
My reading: 2:46
